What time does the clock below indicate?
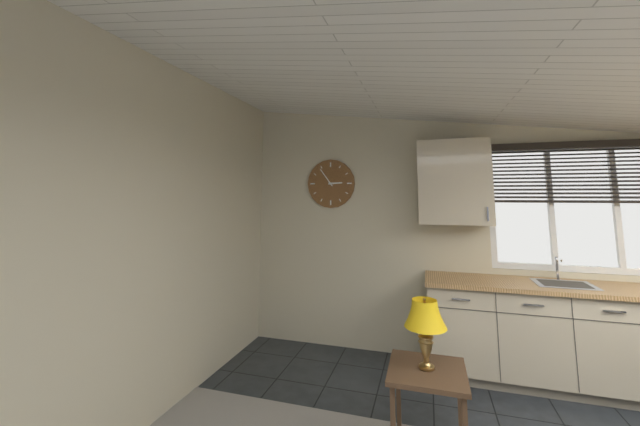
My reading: 2:54
